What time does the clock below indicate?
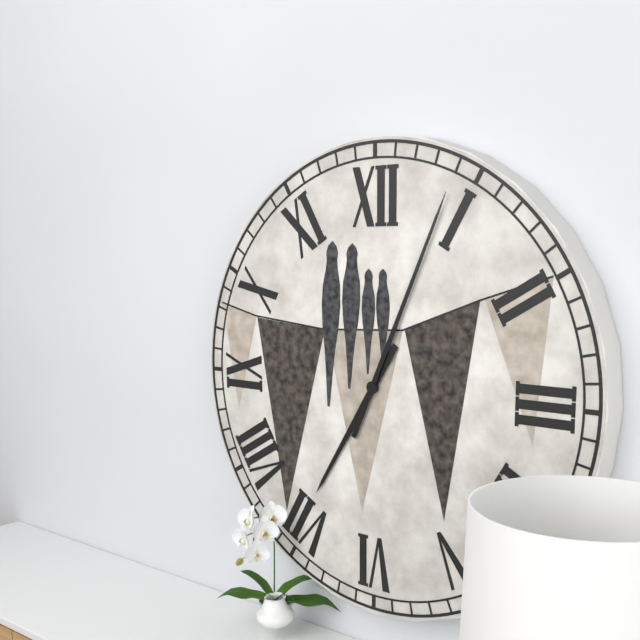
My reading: 7:04
